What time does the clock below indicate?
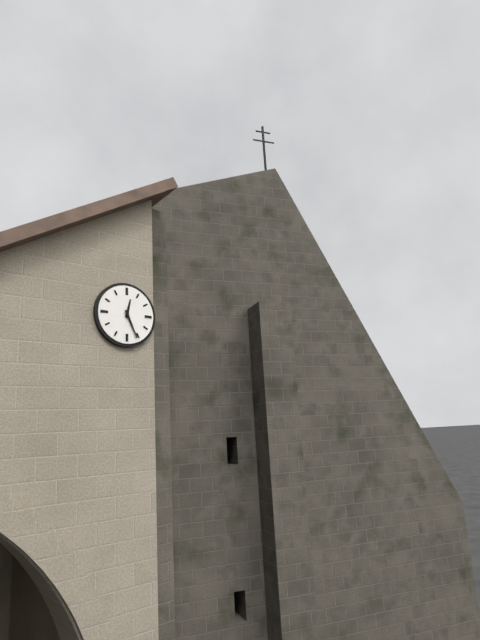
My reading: 12:26
